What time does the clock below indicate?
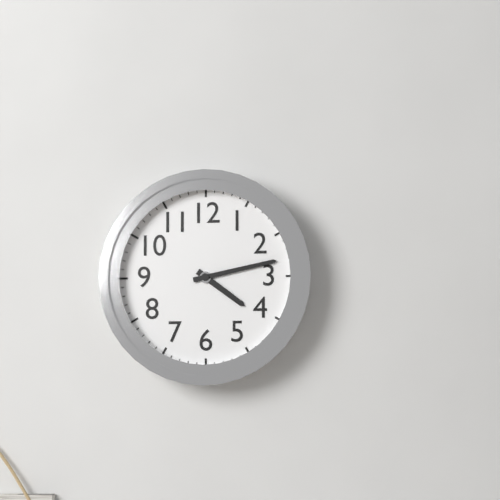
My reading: 4:13
